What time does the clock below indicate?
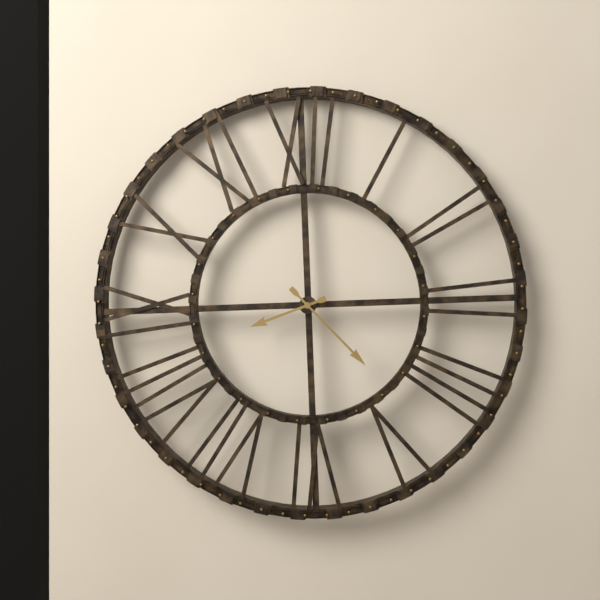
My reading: 8:23
